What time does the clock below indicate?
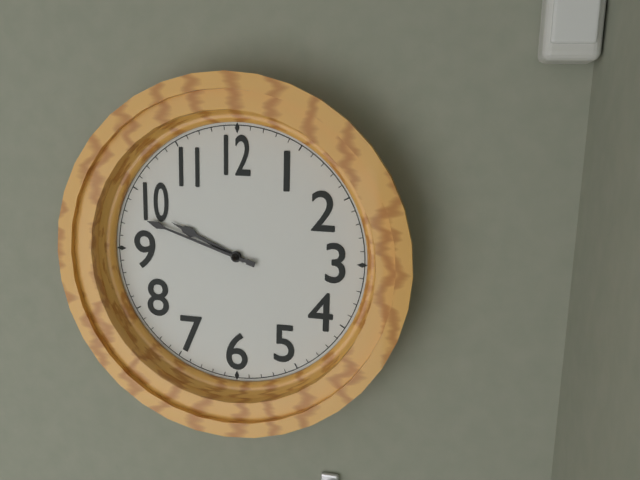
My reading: 9:48
